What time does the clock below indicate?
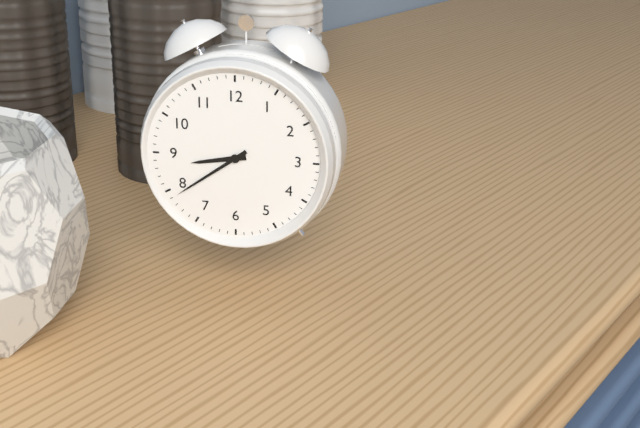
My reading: 8:39
